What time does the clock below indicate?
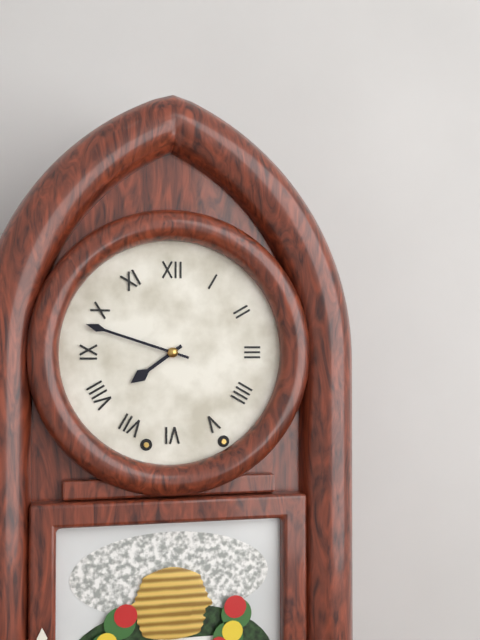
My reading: 7:48
